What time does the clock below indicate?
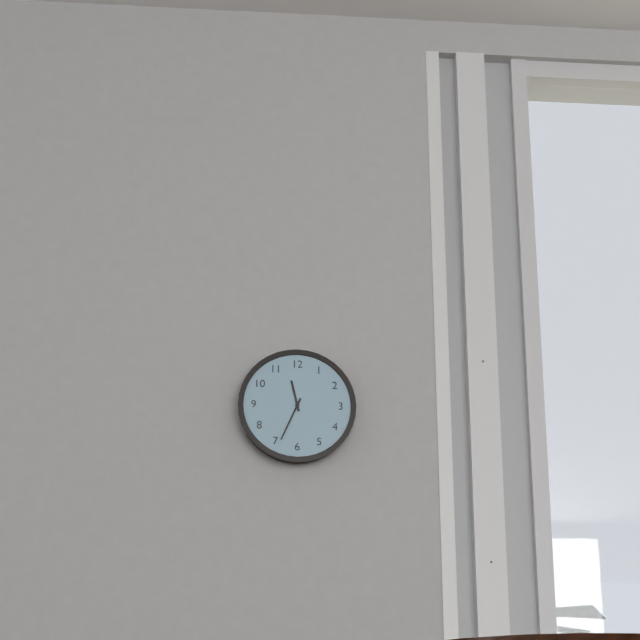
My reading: 11:34
